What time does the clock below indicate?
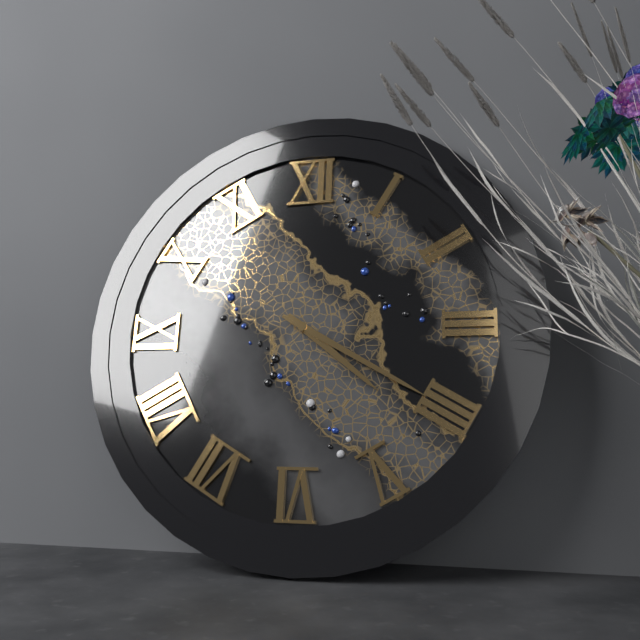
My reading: 4:20
